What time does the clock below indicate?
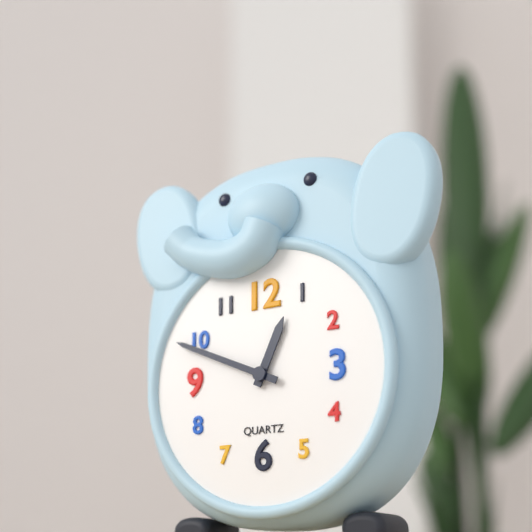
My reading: 12:49
